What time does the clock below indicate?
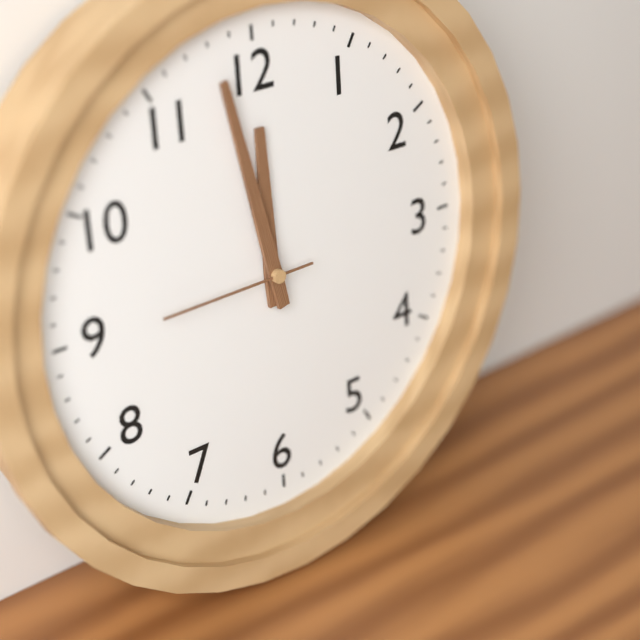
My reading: 11:58:45
